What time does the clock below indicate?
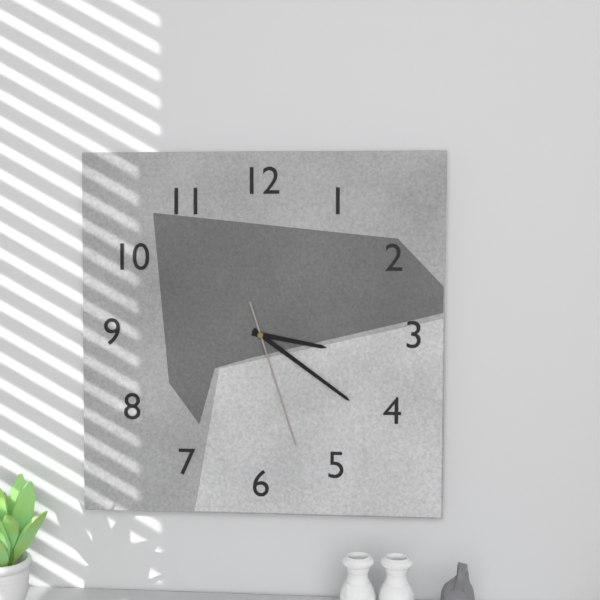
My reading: 3:21:27
